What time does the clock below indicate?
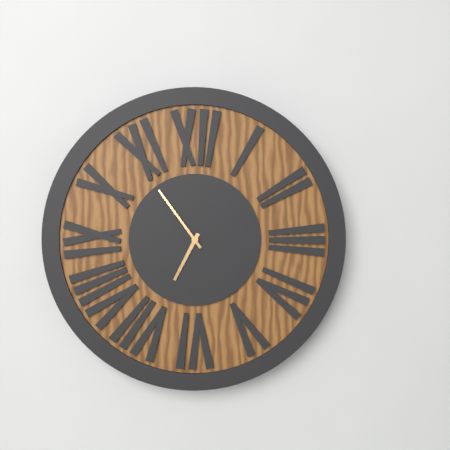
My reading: 6:54
